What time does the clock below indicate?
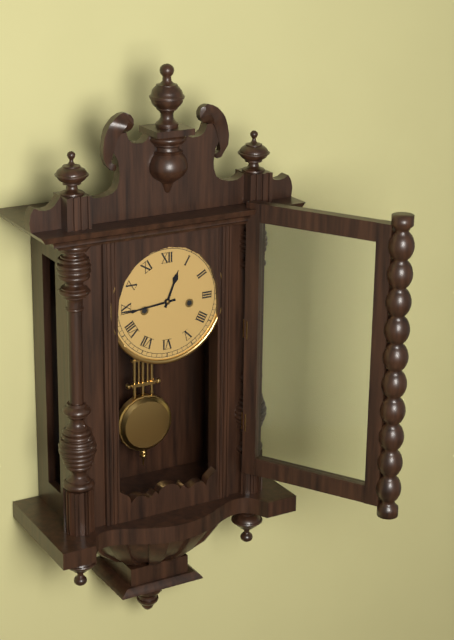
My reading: 12:44
